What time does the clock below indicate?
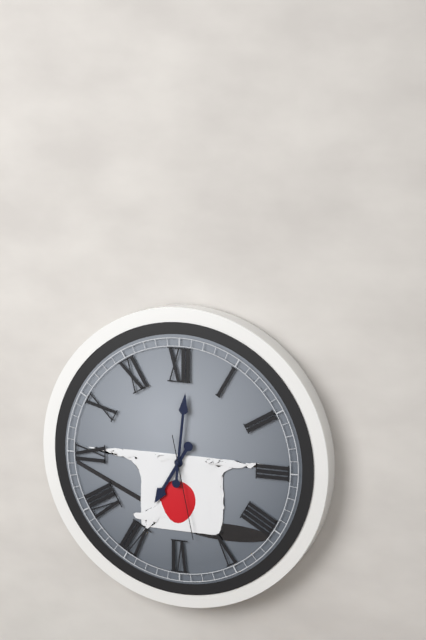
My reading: 7:01:28
